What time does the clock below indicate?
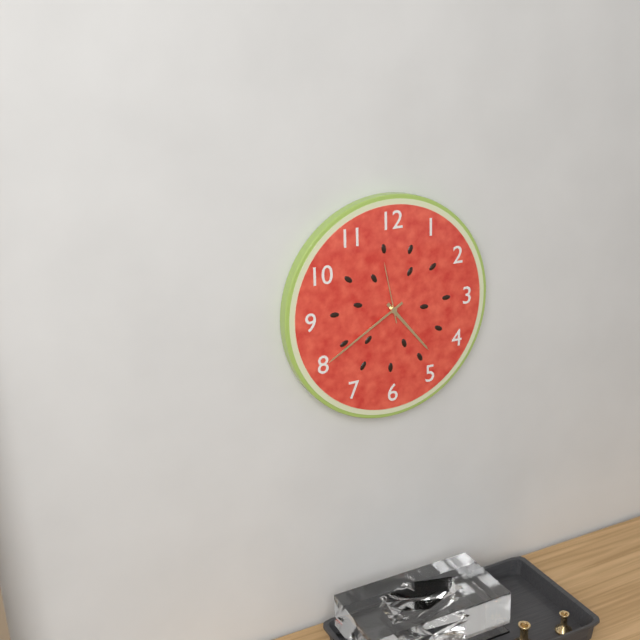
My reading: 4:40:58
